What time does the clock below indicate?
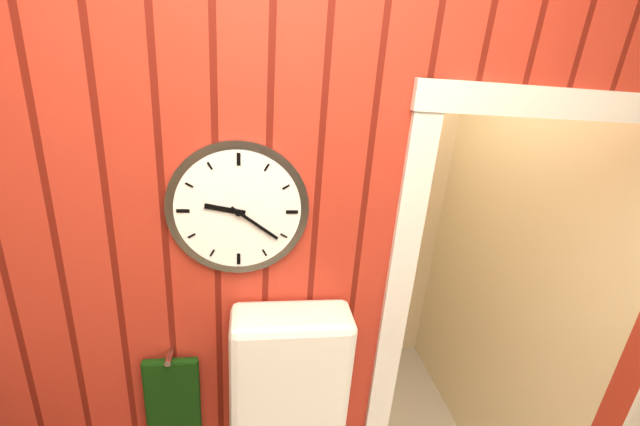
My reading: 9:21
